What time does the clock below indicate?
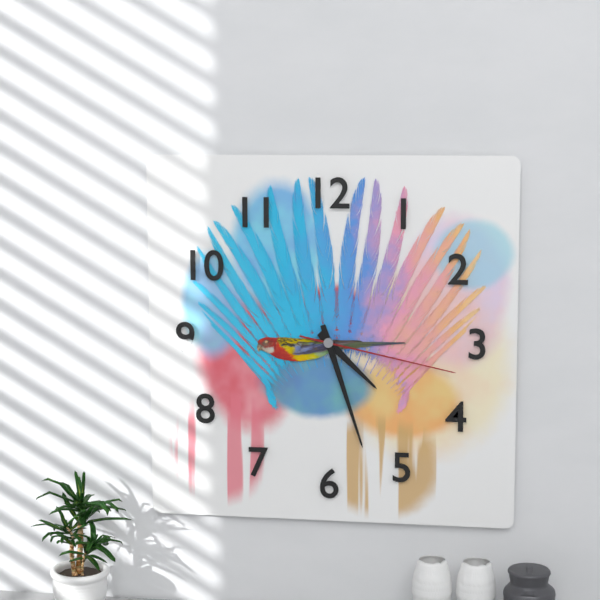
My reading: 4:27:17
